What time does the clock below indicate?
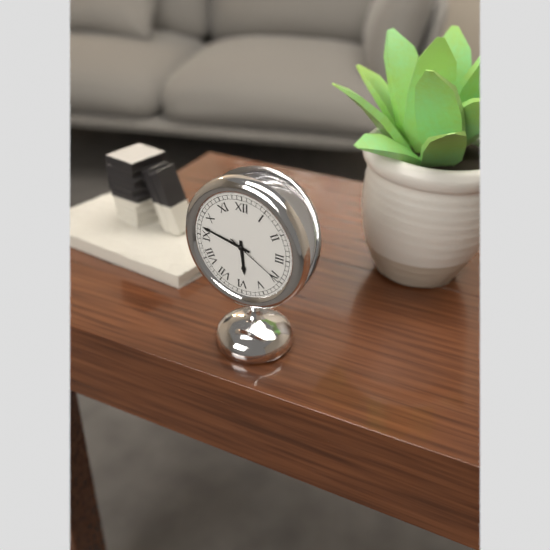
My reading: 5:47:20
